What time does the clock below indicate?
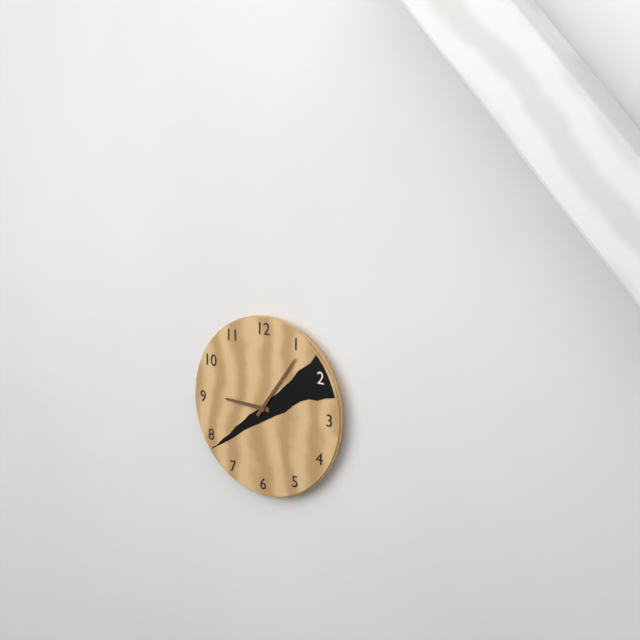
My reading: 9:06
